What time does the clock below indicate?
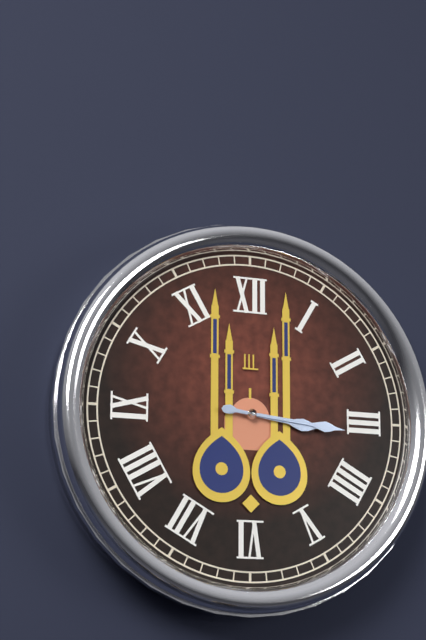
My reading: 3:16
